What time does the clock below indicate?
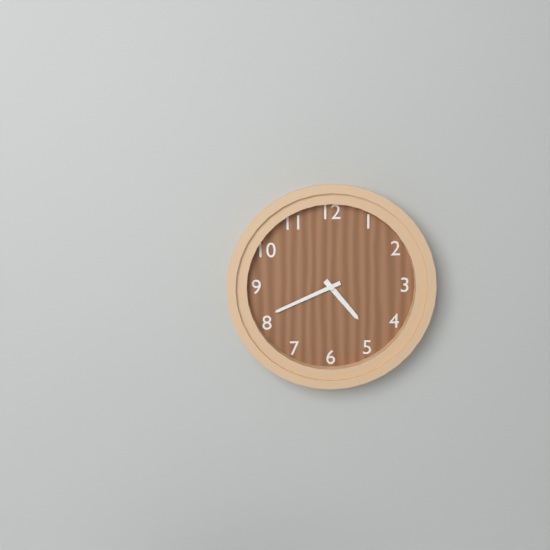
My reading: 4:41
